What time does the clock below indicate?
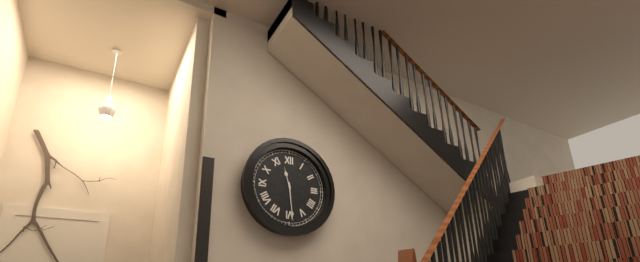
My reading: 11:29
